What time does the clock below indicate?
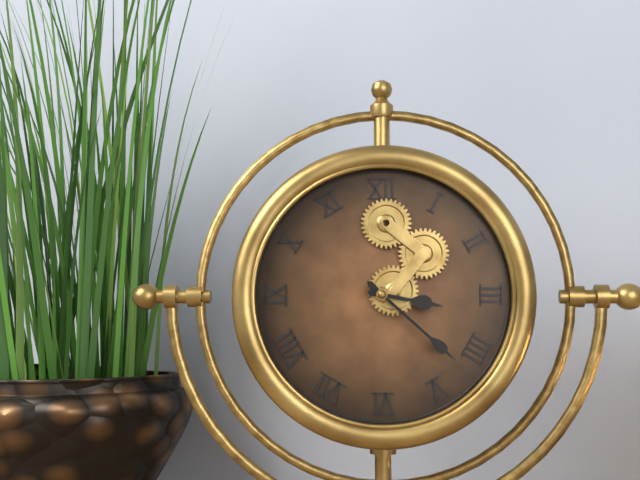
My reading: 3:22
